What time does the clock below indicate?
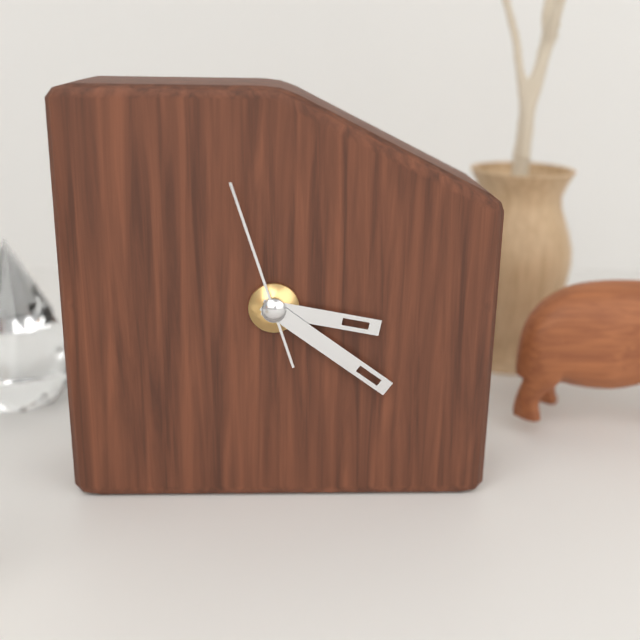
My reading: 3:21:57
